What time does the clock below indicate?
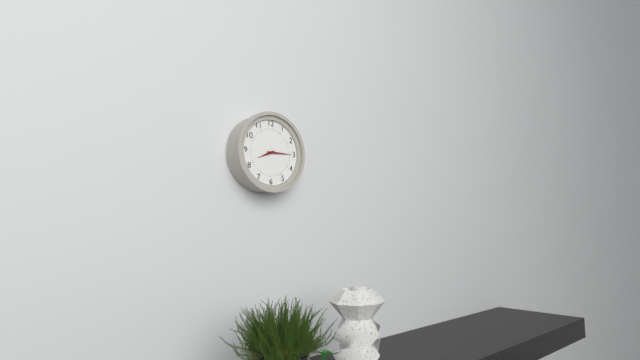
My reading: 8:15
